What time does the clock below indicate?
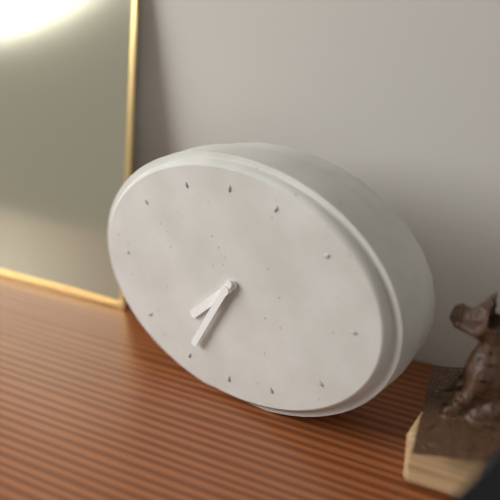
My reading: 7:35
